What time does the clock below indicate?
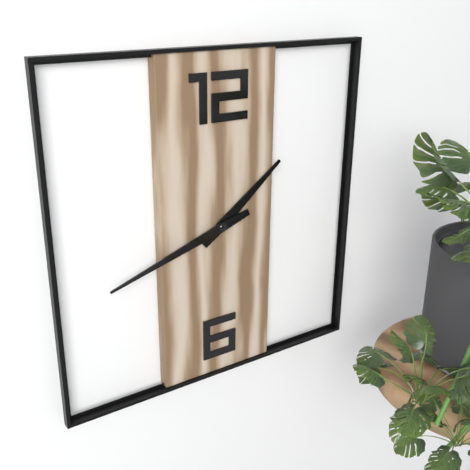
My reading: 1:42
